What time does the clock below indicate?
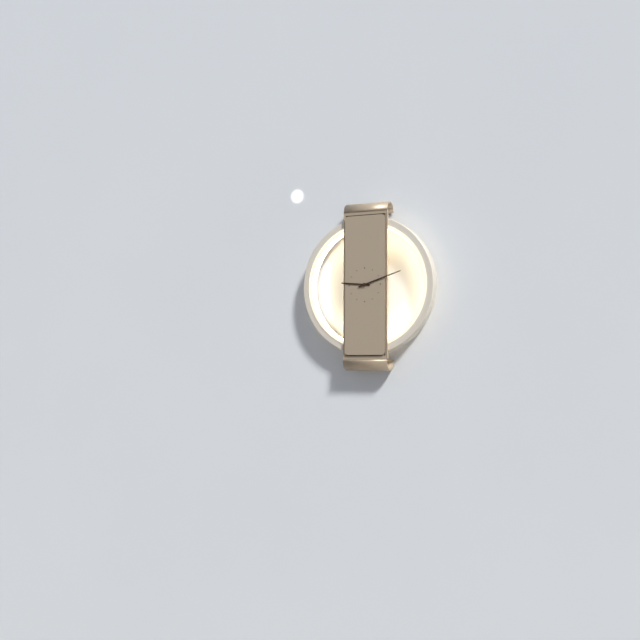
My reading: 9:12
